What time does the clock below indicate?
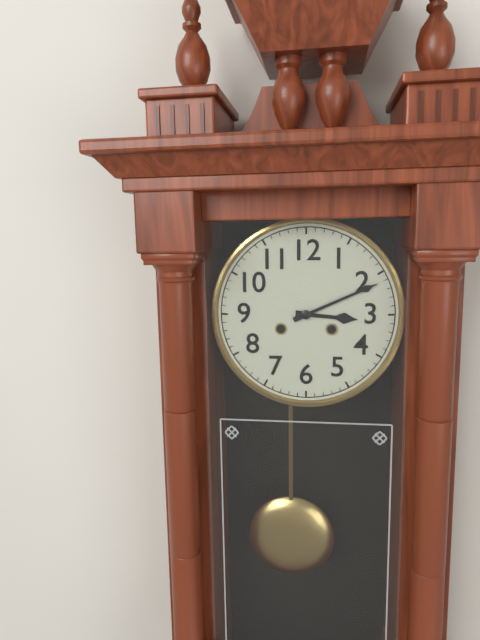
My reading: 3:11
